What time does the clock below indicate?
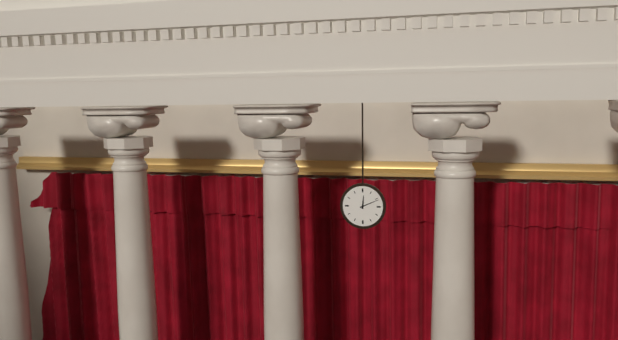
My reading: 12:11
